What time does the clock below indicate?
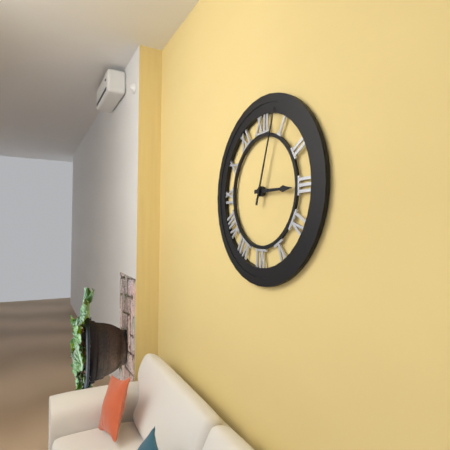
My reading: 3:03
